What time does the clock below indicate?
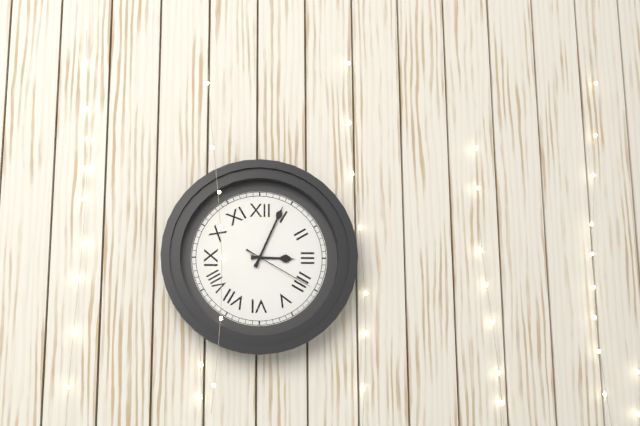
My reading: 3:04:20
